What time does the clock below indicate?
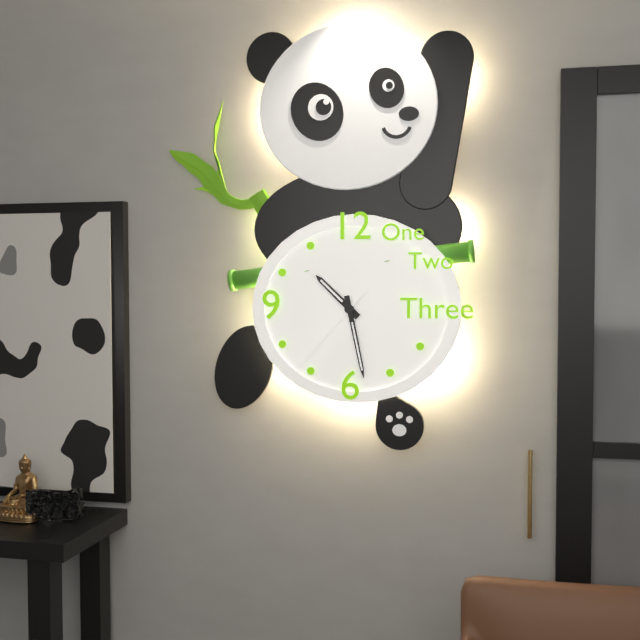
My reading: 10:28:37
